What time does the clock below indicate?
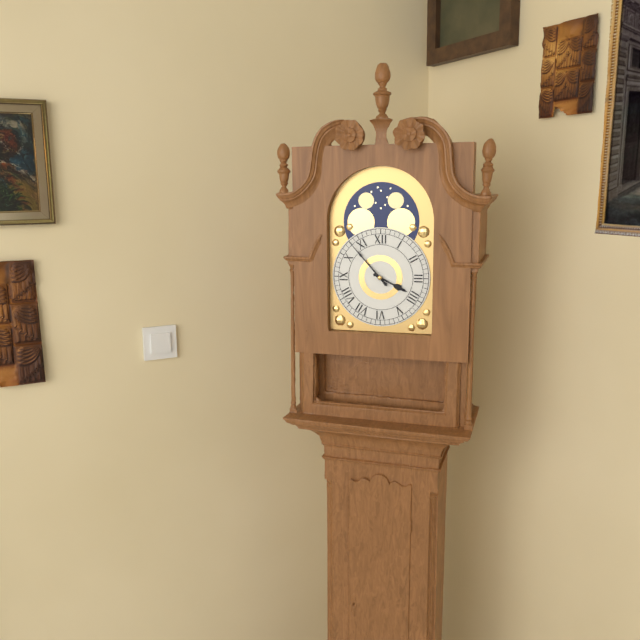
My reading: 3:53
